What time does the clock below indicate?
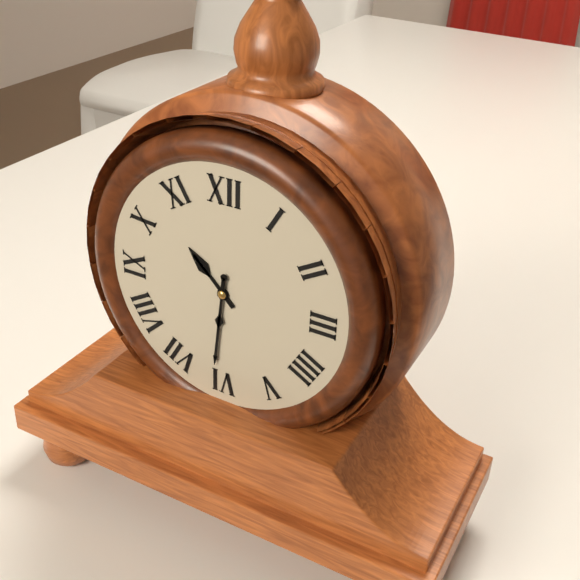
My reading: 10:31
